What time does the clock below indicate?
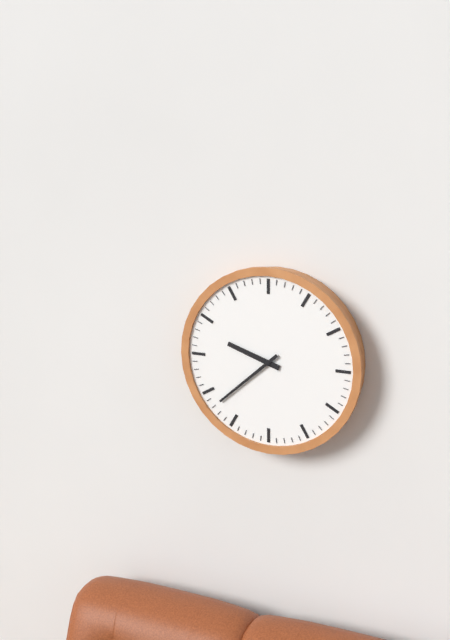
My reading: 9:38
